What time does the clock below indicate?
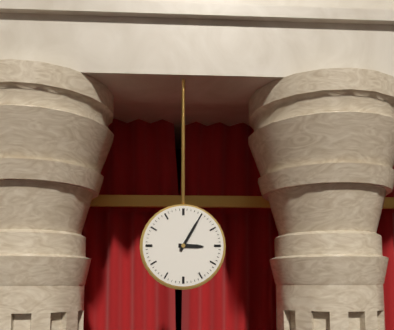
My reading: 3:05
